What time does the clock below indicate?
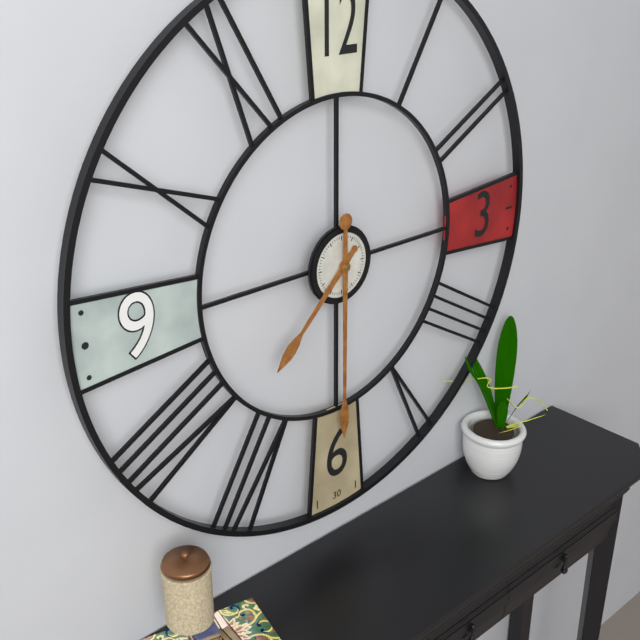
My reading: 7:30
